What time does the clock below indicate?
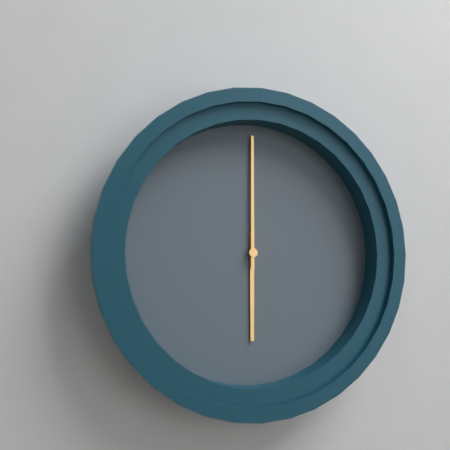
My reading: 6:00
